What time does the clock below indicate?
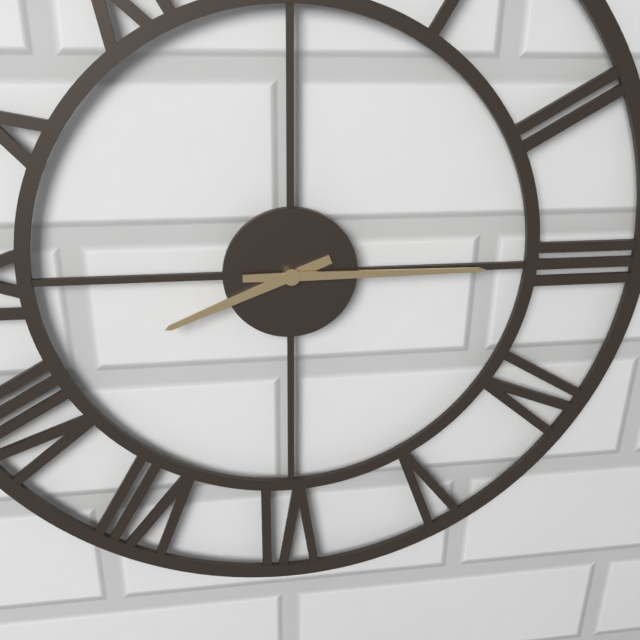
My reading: 8:15
